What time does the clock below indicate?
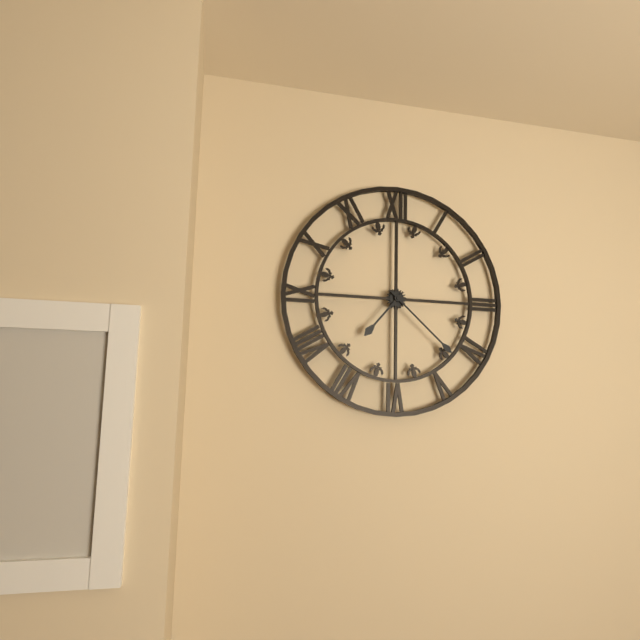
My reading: 7:22
